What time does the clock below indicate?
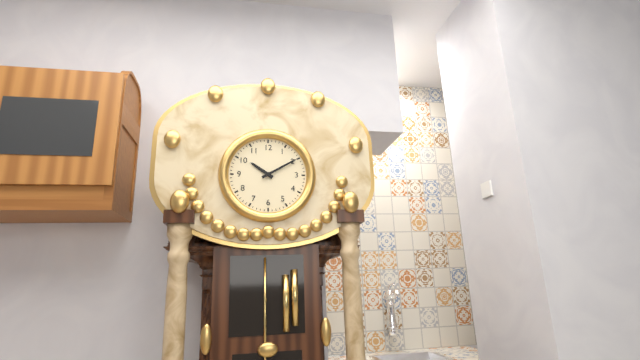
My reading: 10:10
